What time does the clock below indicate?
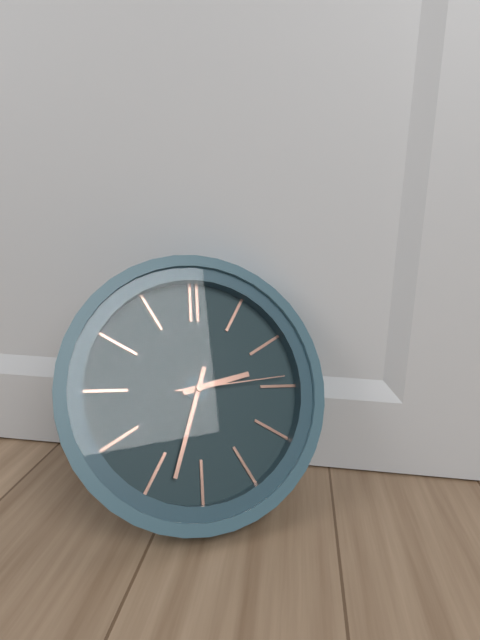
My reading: 2:33:14
